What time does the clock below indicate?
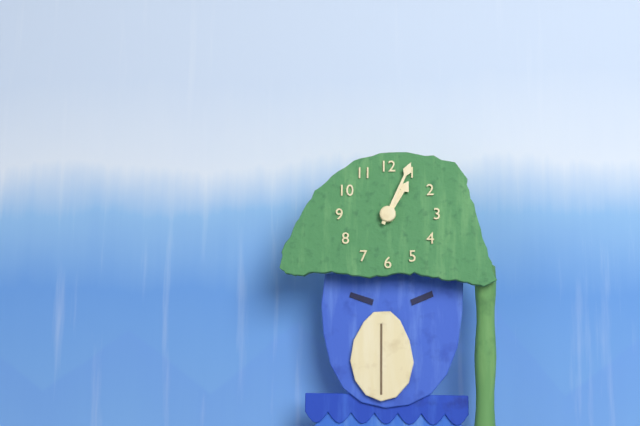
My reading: 1:04
